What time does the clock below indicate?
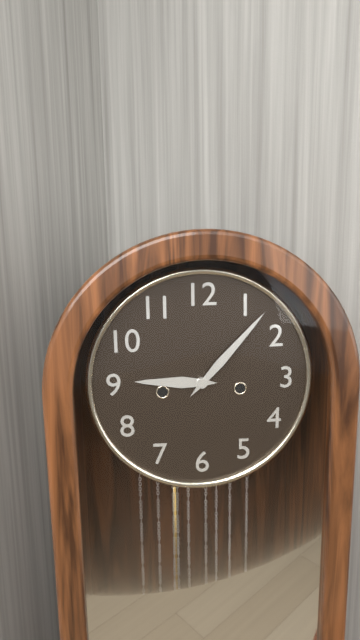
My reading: 9:07
